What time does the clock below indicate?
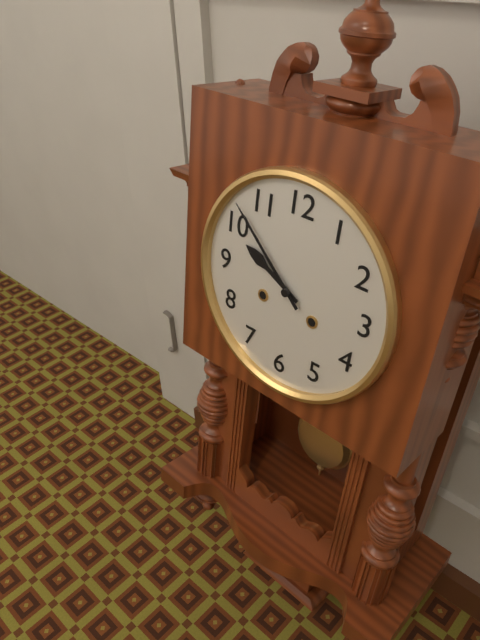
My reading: 9:52
